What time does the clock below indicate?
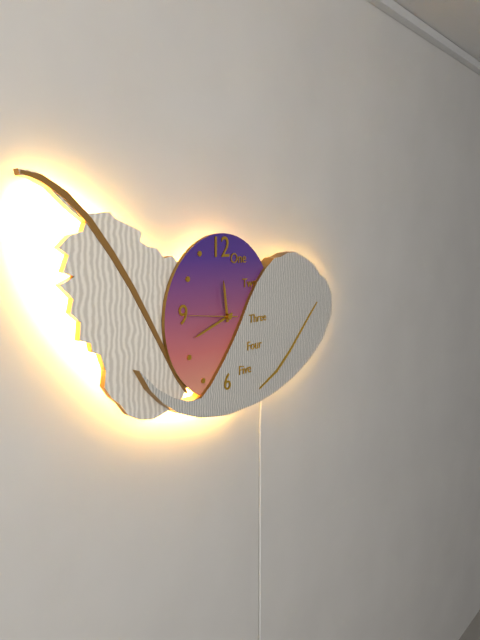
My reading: 11:42
